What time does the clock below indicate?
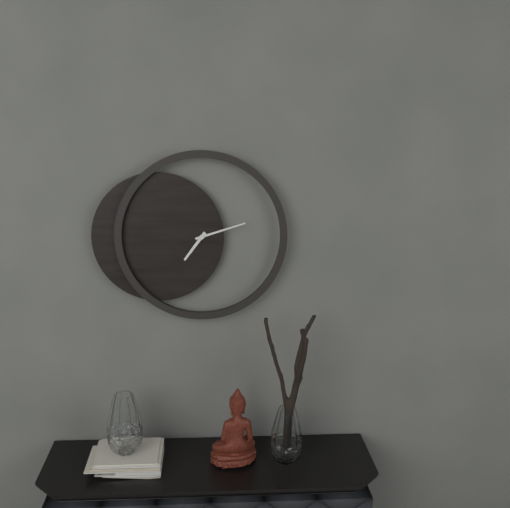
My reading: 7:12
